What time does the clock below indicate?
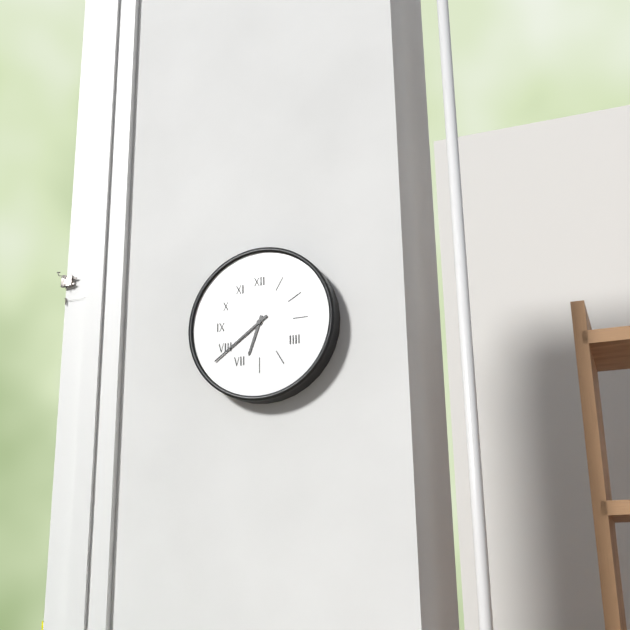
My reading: 6:39
